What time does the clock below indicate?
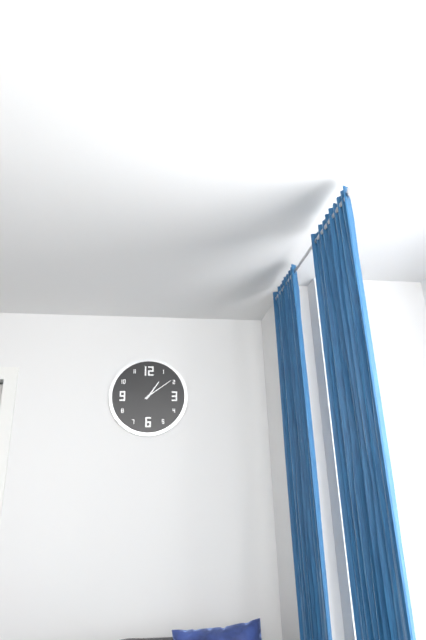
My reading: 1:09
